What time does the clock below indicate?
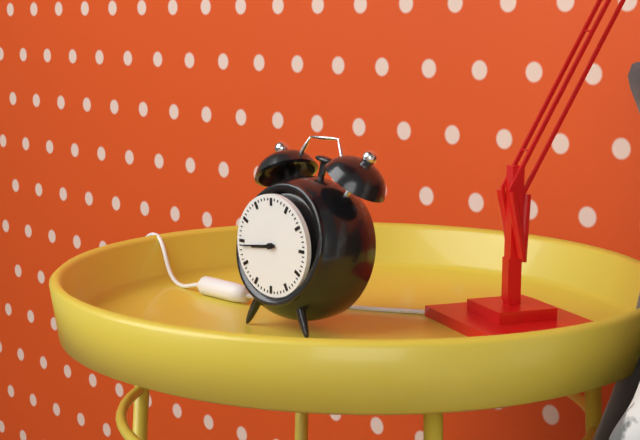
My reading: 8:44
